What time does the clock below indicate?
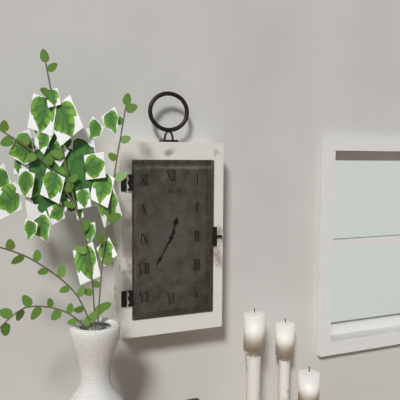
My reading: 12:35
